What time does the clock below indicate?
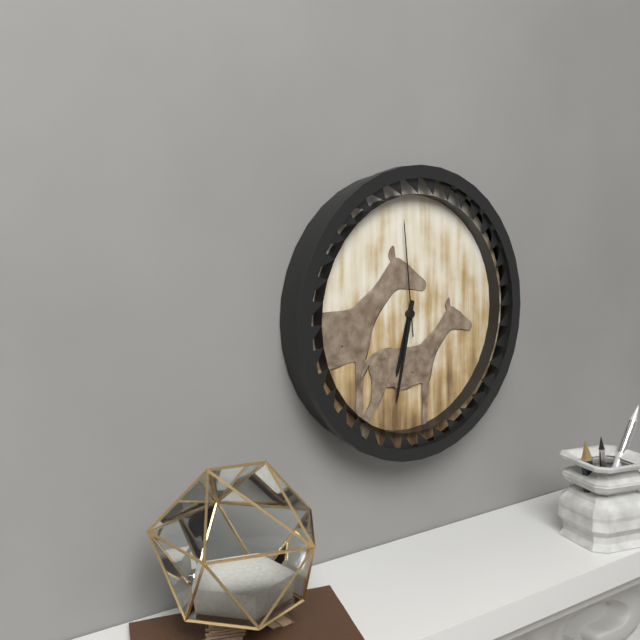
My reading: 6:32:59
